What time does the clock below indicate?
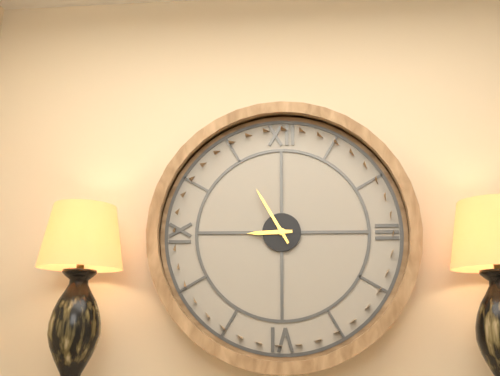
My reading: 8:55
